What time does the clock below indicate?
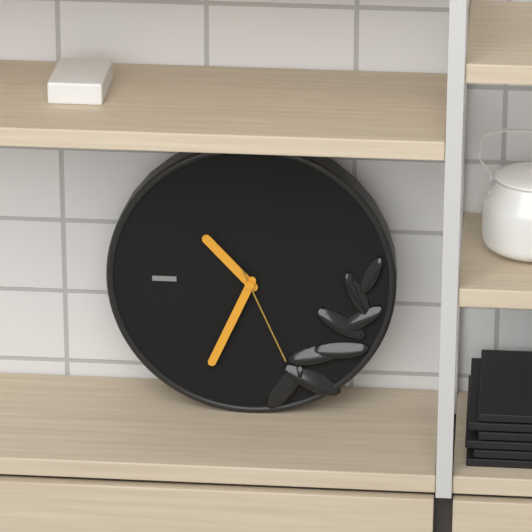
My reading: 10:34:26
